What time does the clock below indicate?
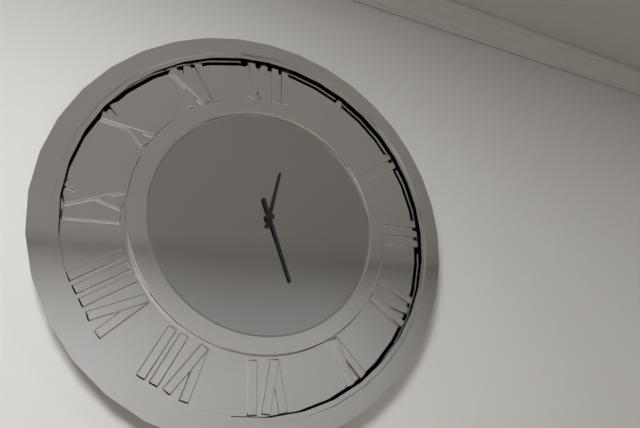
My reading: 12:27
